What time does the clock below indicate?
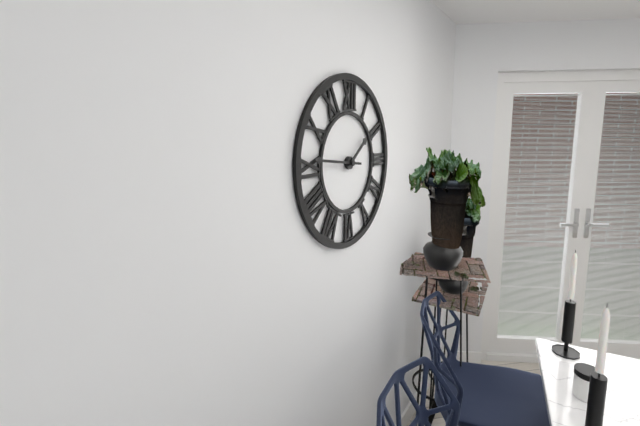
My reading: 1:46
